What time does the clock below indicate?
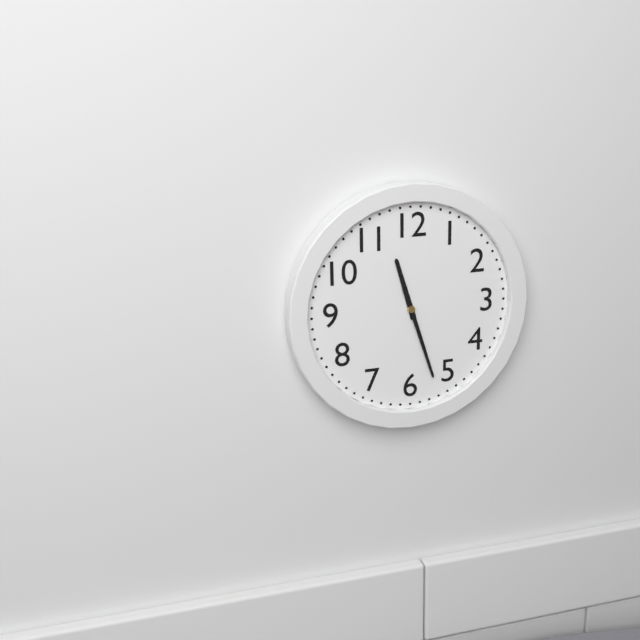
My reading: 11:27
